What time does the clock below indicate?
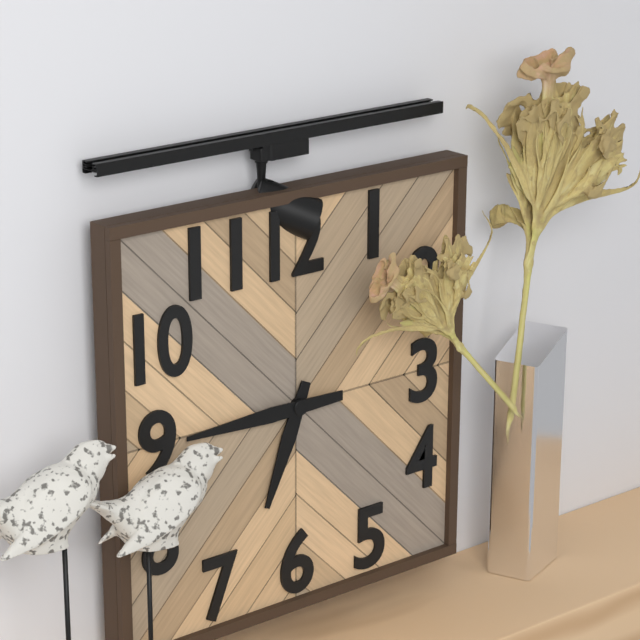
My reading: 6:45
